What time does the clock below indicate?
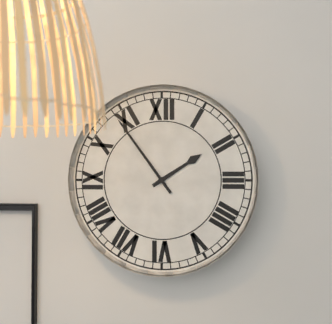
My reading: 1:54
